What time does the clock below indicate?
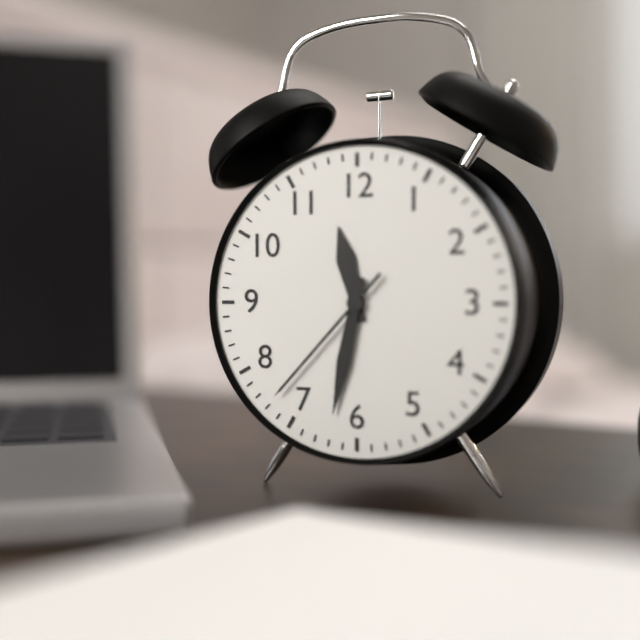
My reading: 11:32:37
